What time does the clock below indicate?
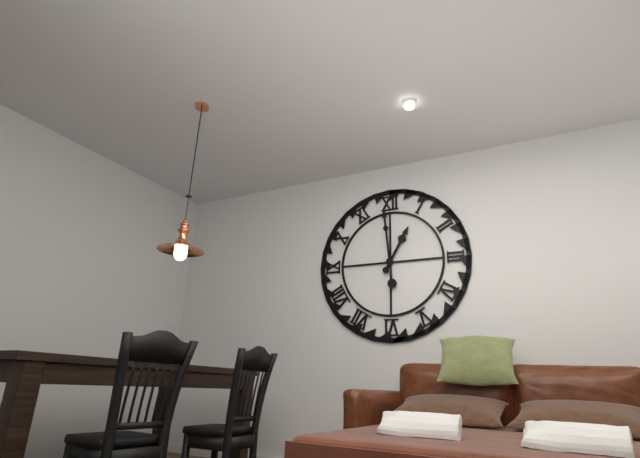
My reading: 12:59
